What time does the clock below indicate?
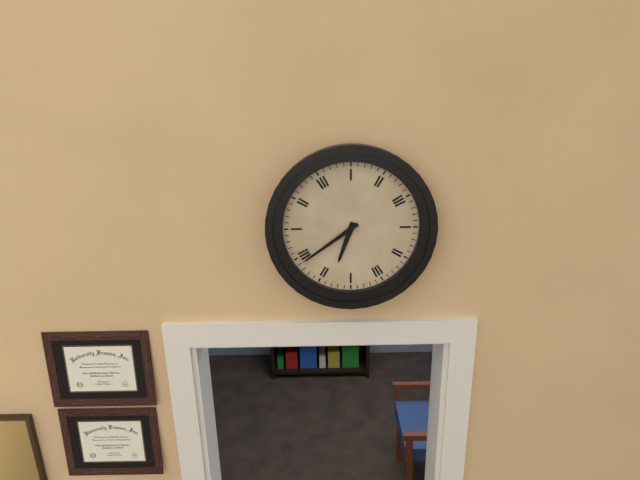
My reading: 6:39
